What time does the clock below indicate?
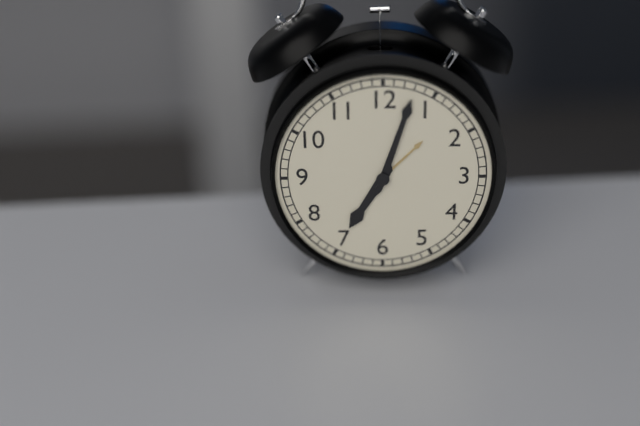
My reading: 7:03
